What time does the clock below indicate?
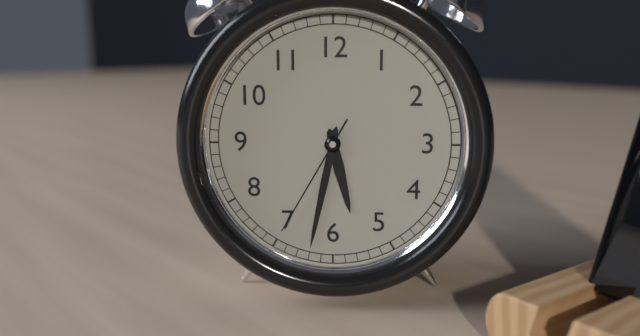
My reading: 5:32:35
